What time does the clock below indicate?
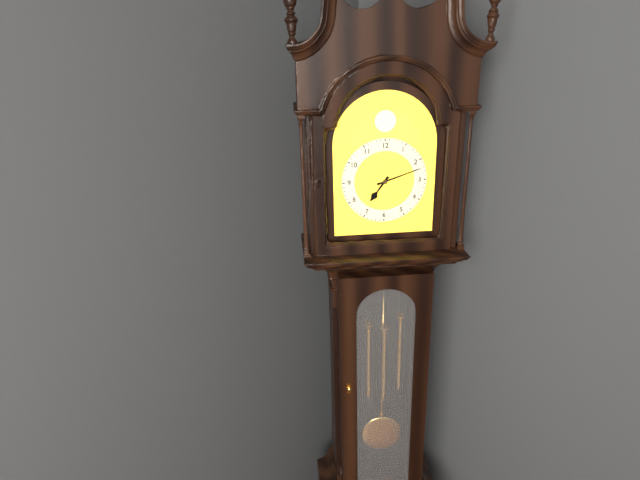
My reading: 7:12
